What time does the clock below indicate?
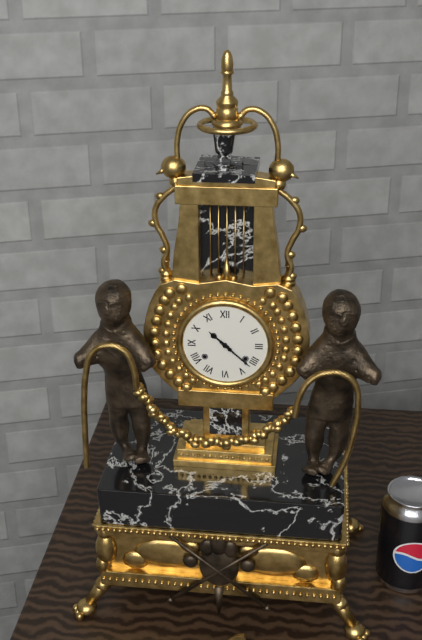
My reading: 10:22
